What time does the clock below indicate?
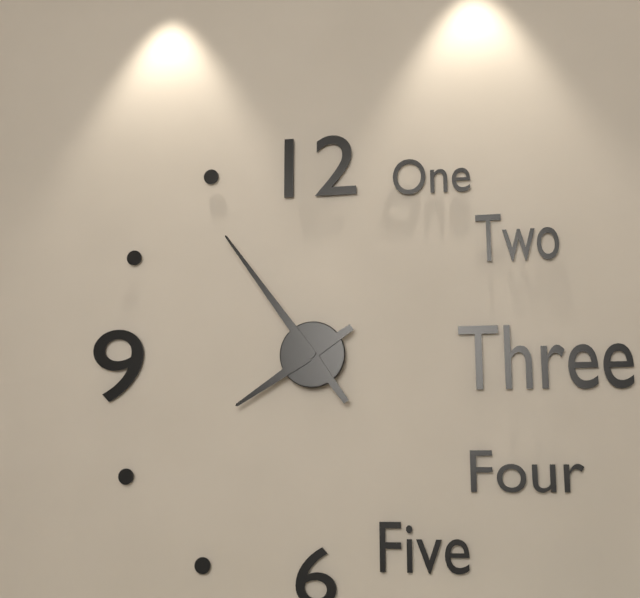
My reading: 7:54
